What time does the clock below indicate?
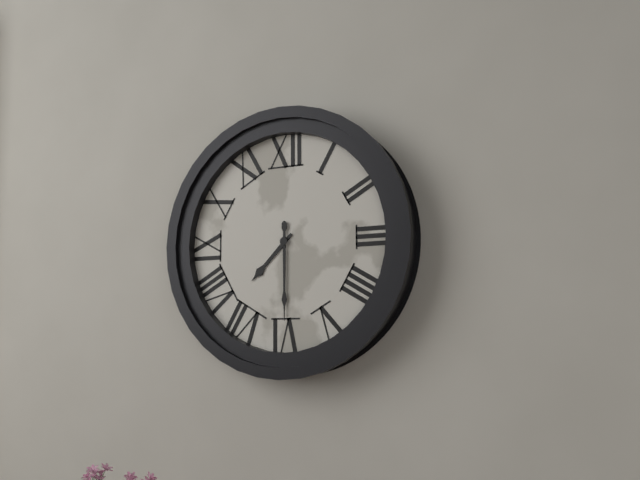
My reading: 7:30
